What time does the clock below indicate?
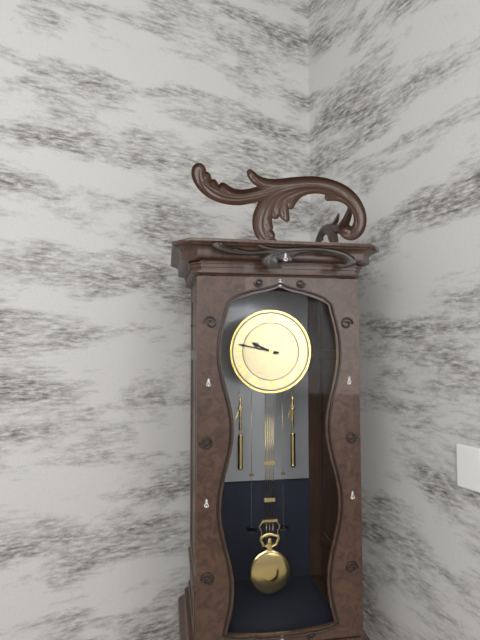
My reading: 9:47
